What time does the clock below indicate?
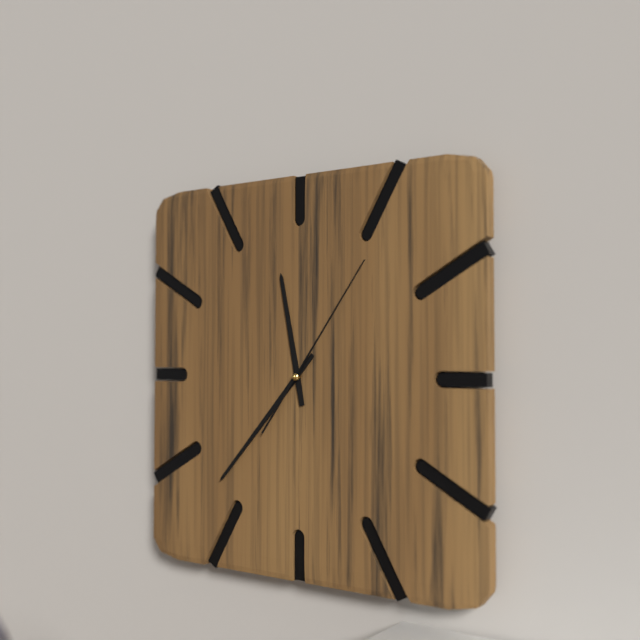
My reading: 11:37:06
